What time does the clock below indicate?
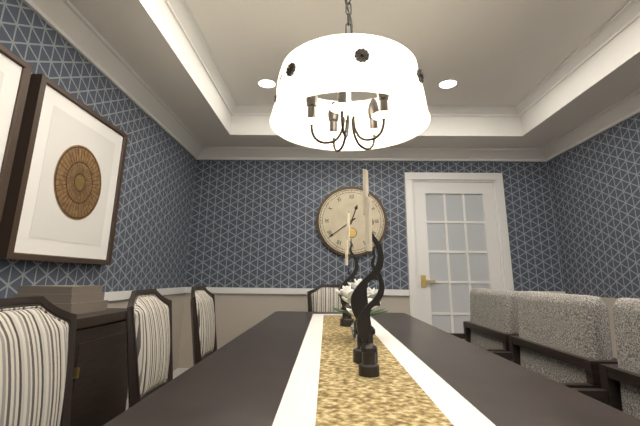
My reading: 12:39
